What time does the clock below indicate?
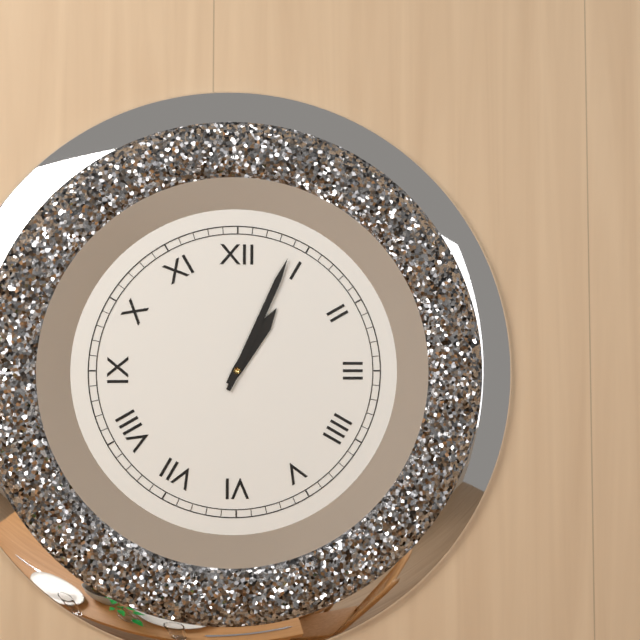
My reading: 1:04
